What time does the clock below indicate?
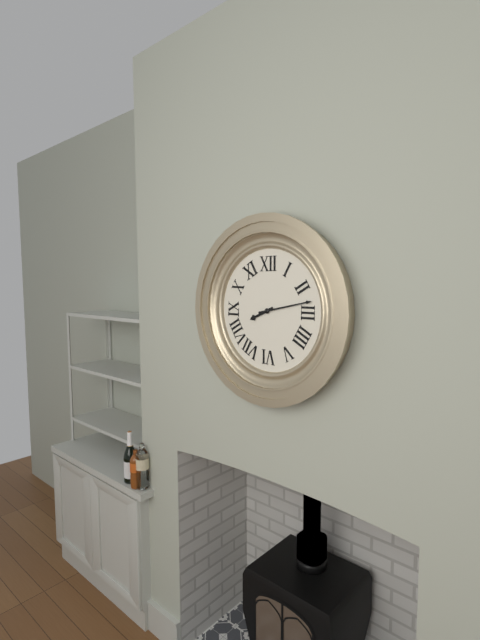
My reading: 8:13
